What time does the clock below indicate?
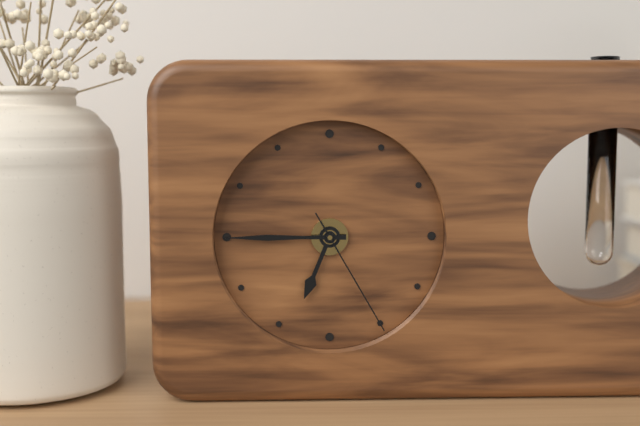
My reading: 6:45:25
